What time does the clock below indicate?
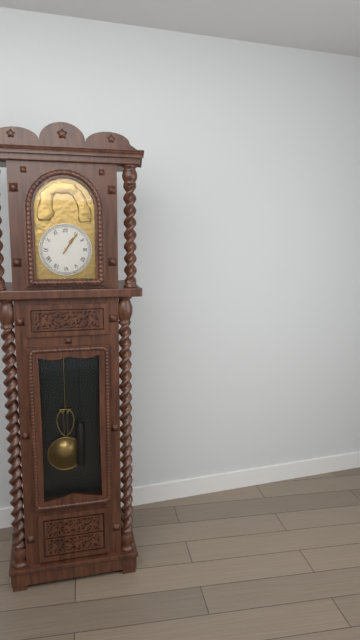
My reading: 1:06
